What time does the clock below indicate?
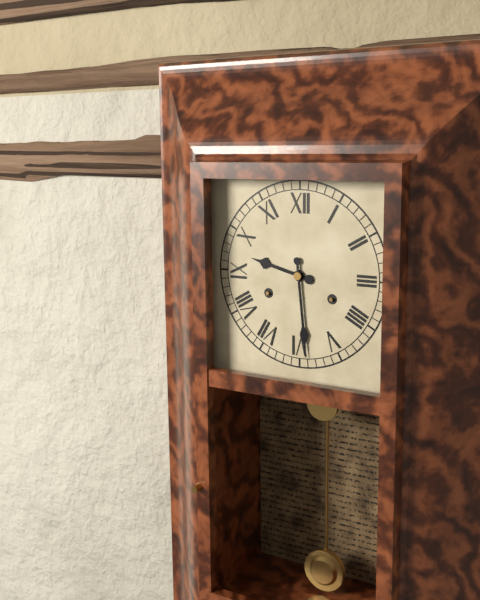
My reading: 9:29
